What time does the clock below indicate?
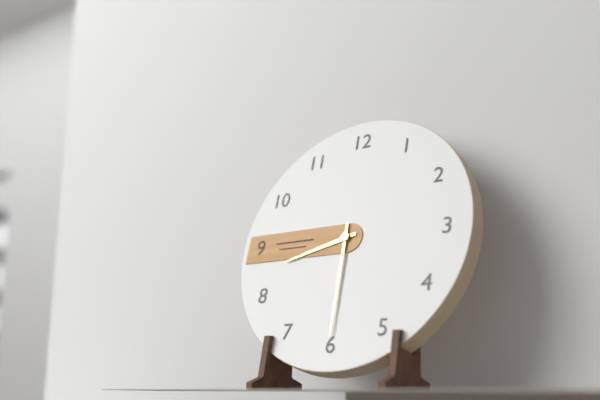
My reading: 8:30
